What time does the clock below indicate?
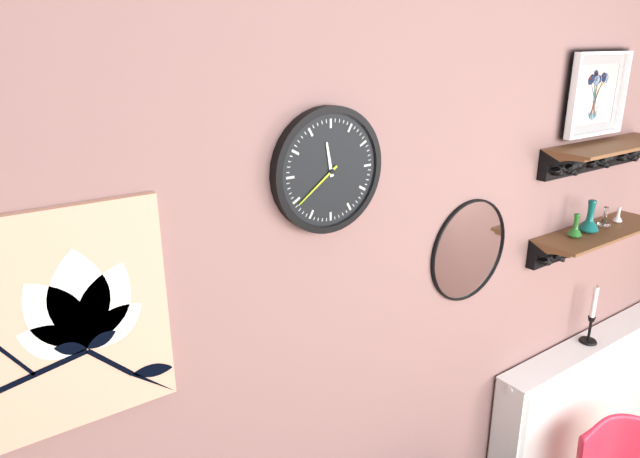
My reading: 11:39
